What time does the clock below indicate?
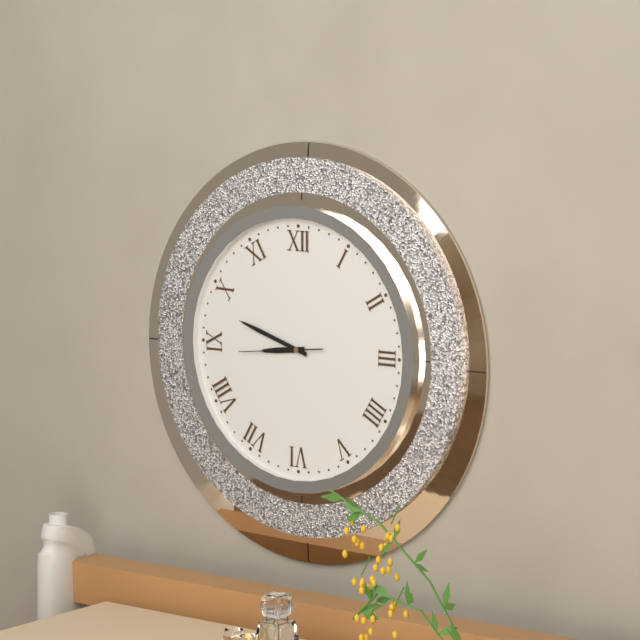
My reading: 8:48:44
